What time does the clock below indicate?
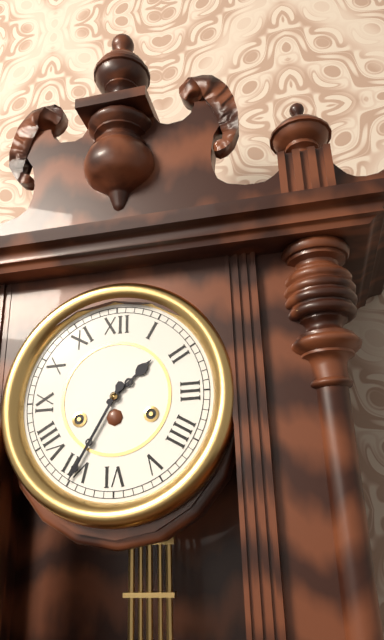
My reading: 1:35
